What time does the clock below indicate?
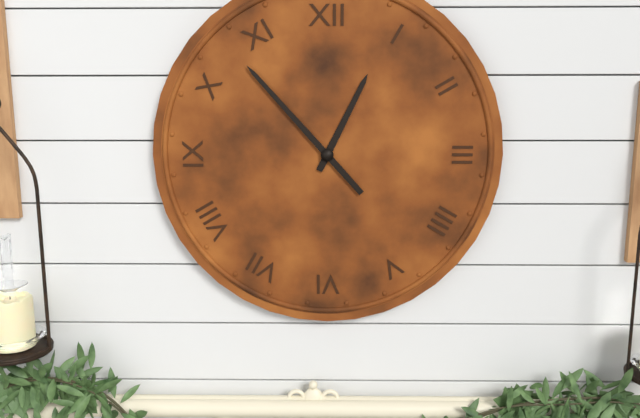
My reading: 12:53
